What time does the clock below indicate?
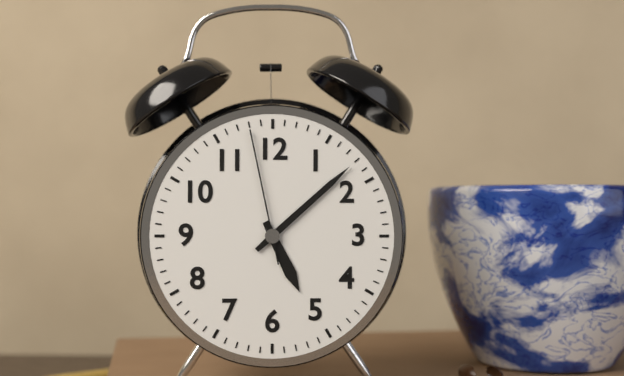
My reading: 5:08:58
